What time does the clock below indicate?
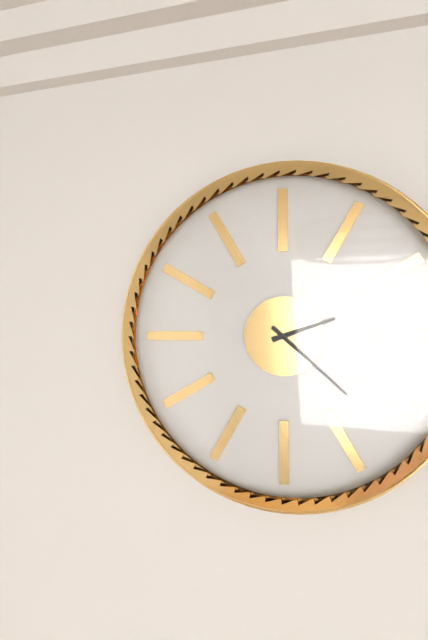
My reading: 2:22
